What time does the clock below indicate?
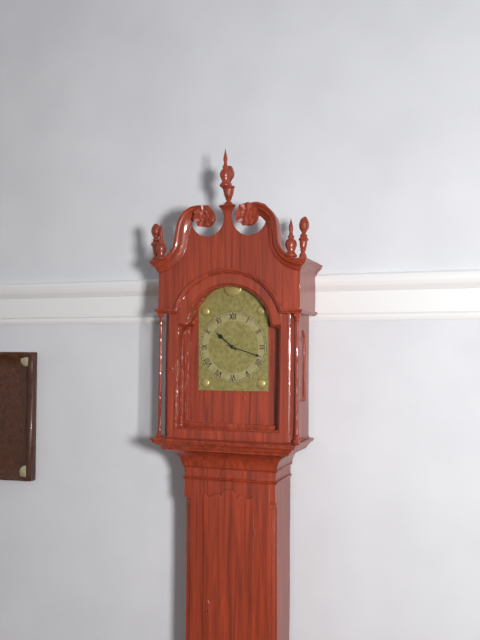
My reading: 10:18
